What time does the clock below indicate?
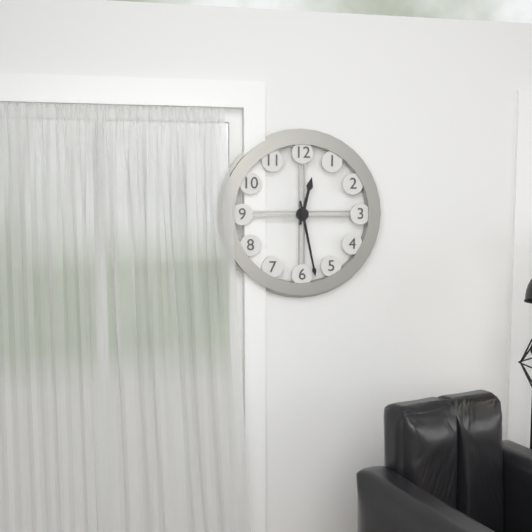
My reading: 12:28
